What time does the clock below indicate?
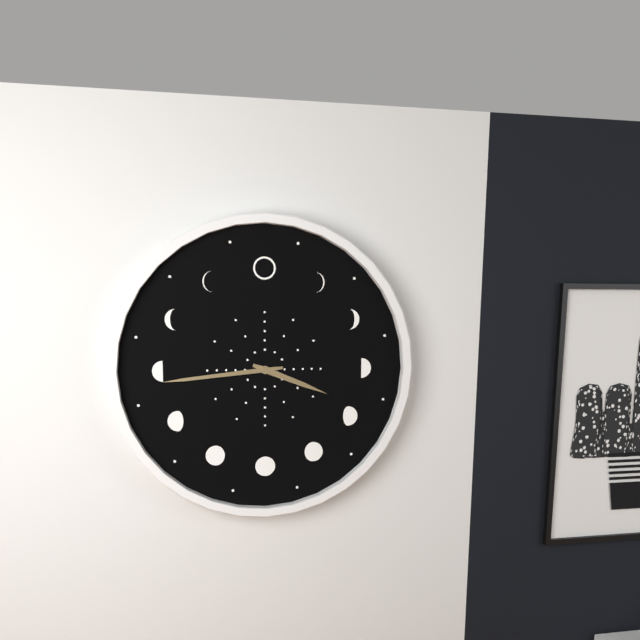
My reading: 3:44
